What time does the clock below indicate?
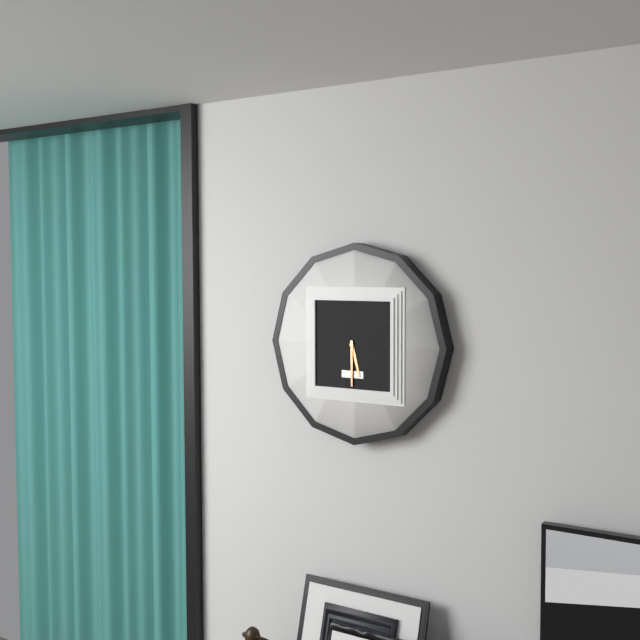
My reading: 5:30
